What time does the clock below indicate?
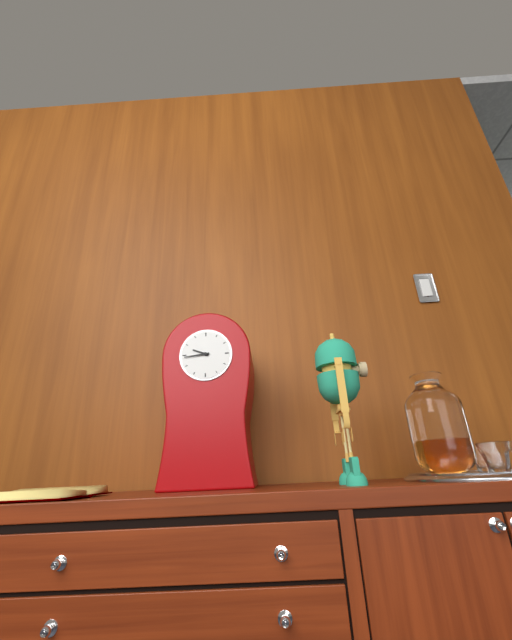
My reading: 9:44
